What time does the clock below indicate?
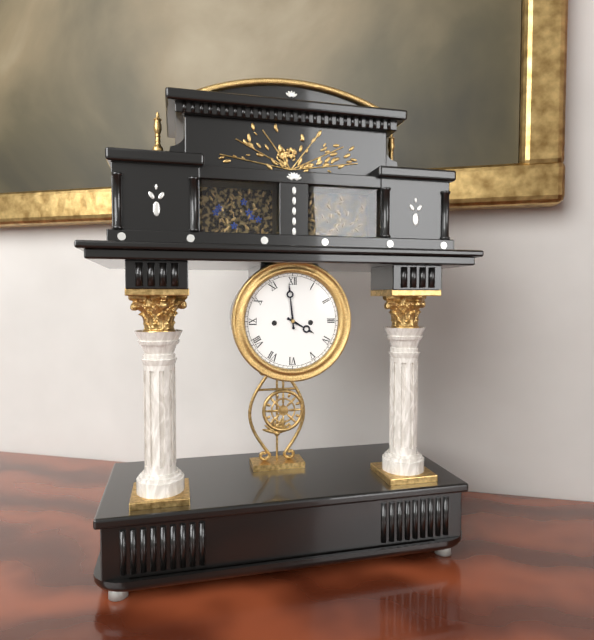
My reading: 3:59
